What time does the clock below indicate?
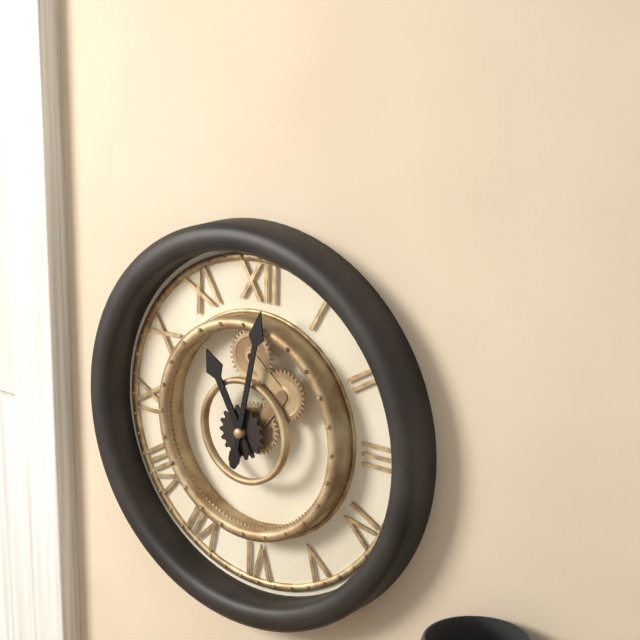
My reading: 11:02
